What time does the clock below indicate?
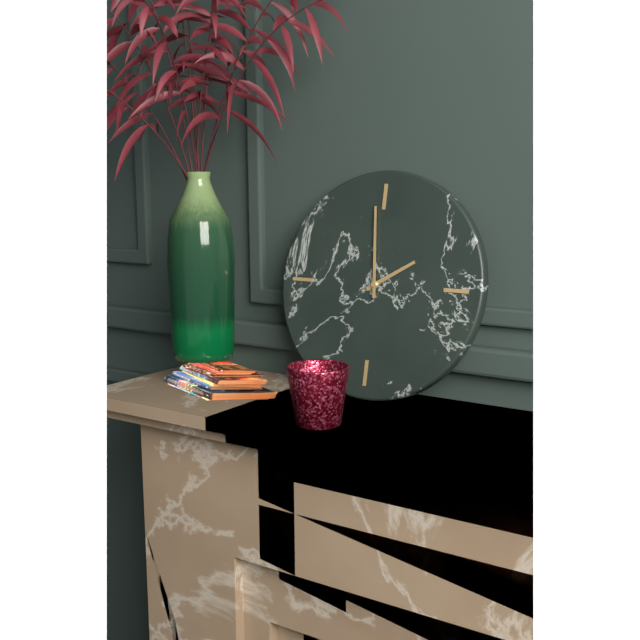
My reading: 1:59
